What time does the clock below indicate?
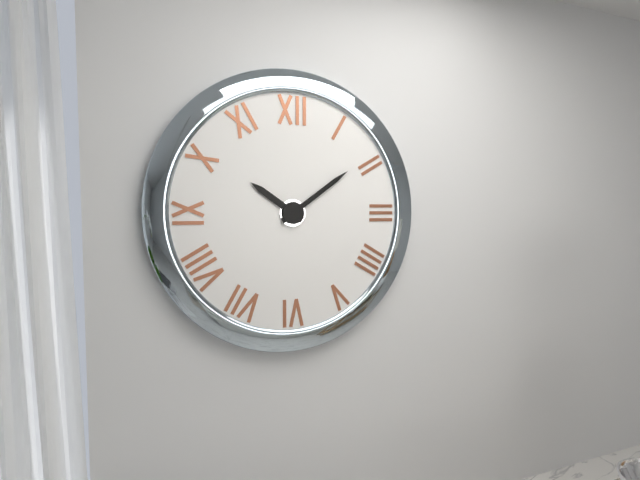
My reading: 10:09
